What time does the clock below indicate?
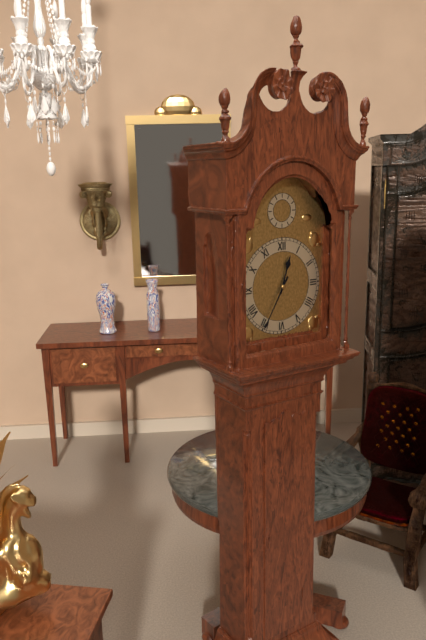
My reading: 12:35
